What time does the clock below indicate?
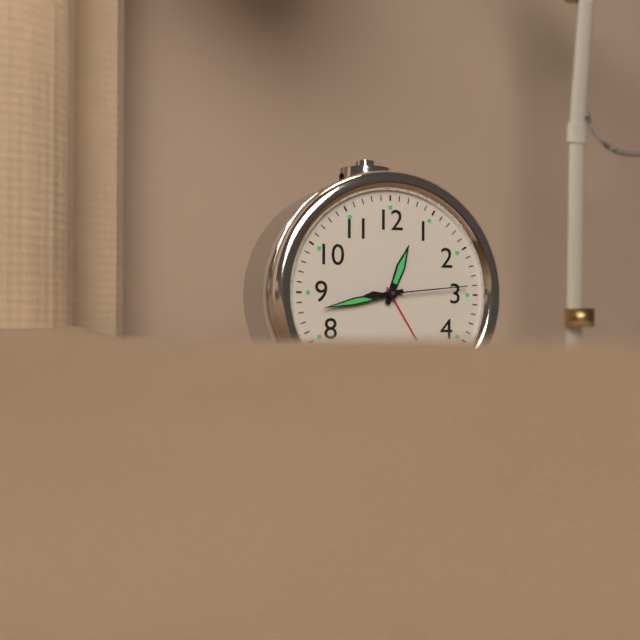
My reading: 12:43:14
